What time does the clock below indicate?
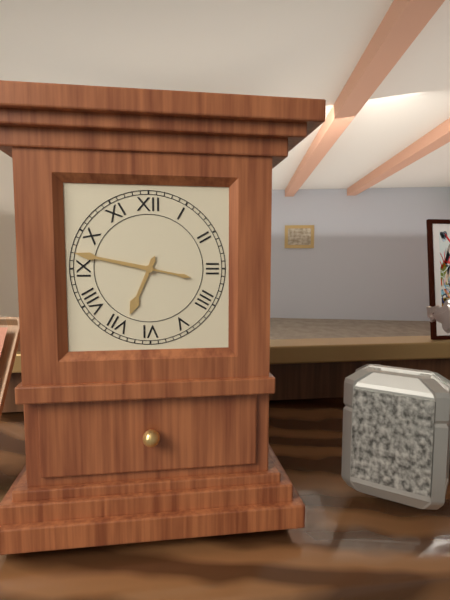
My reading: 6:47
